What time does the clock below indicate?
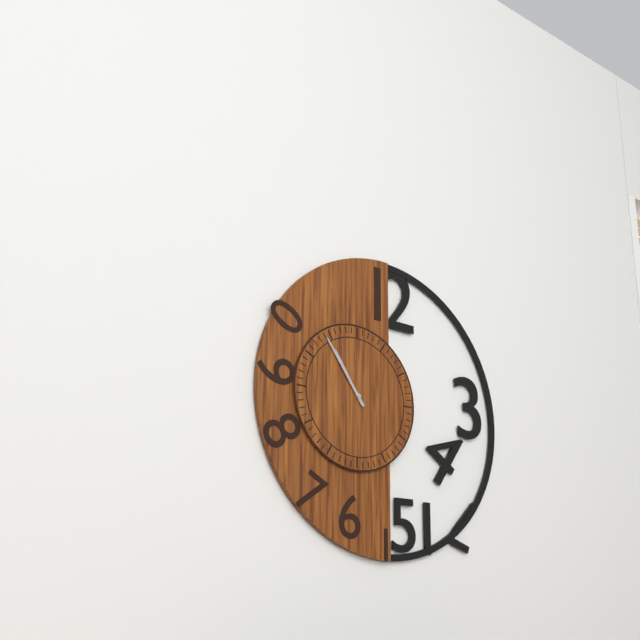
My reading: 10:54
